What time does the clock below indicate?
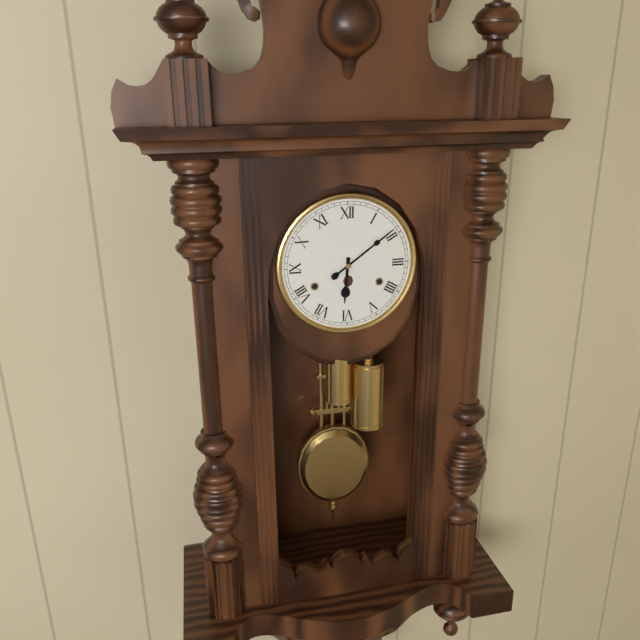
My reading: 6:09
